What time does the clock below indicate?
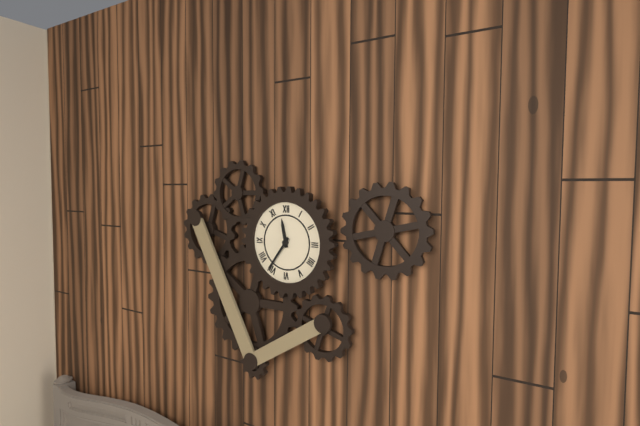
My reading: 11:36
